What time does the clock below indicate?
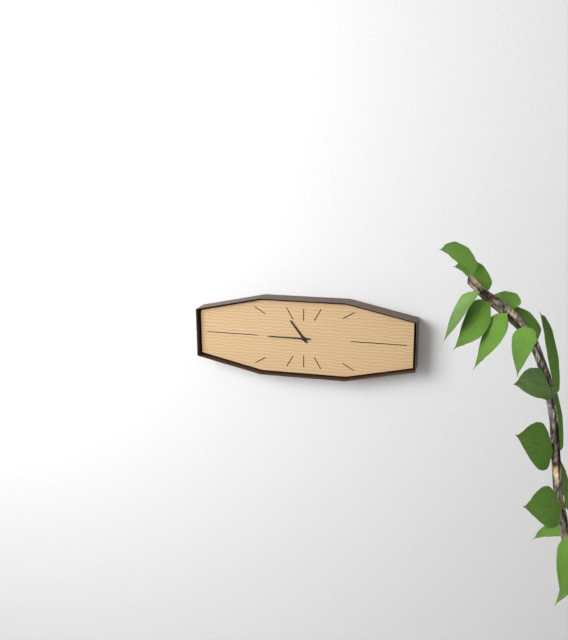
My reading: 10:45
